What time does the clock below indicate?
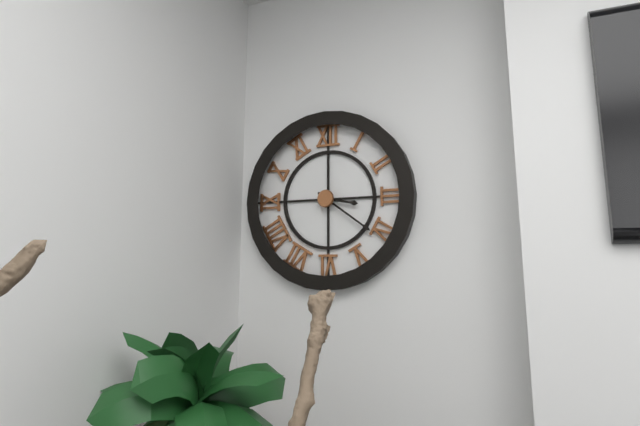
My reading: 3:21
